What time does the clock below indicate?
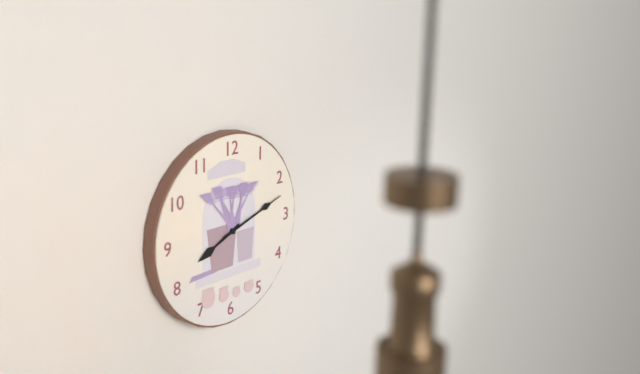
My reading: 8:12
